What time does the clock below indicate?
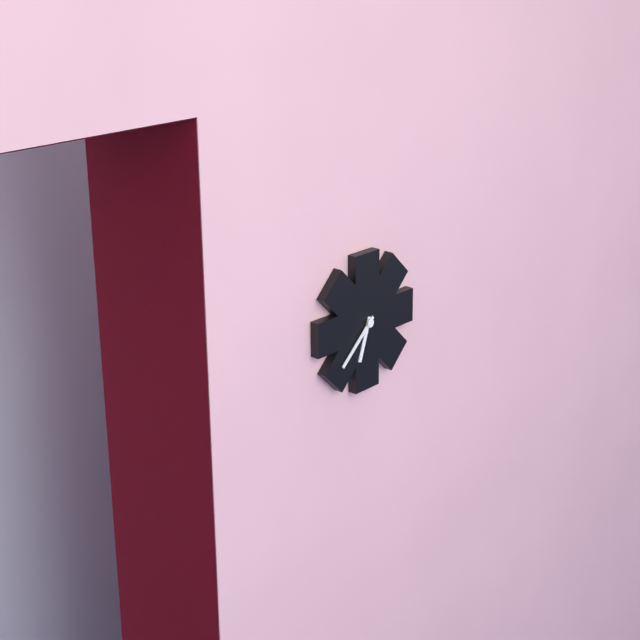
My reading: 6:38
